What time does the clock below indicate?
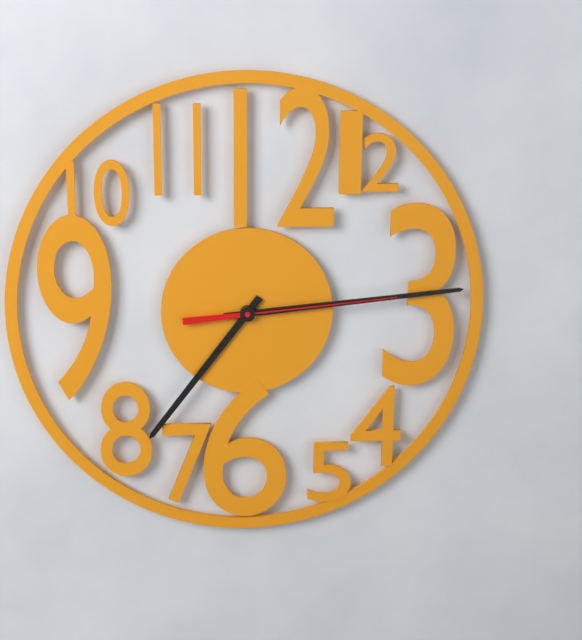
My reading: 7:14:14
